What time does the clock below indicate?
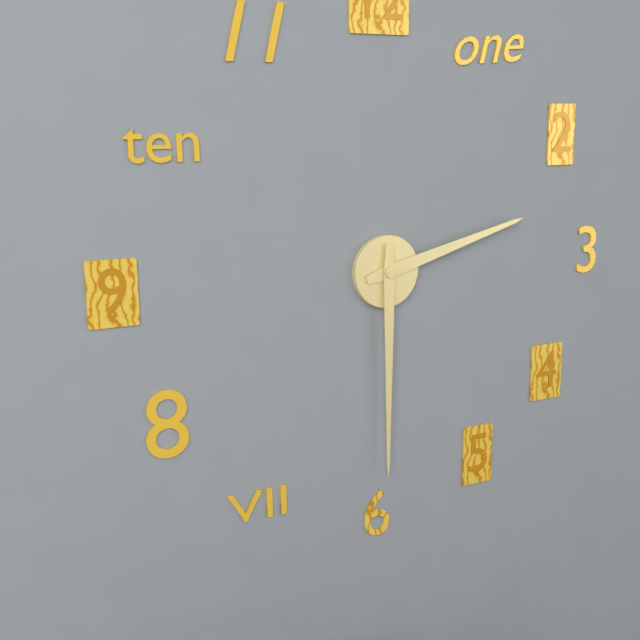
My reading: 2:30
